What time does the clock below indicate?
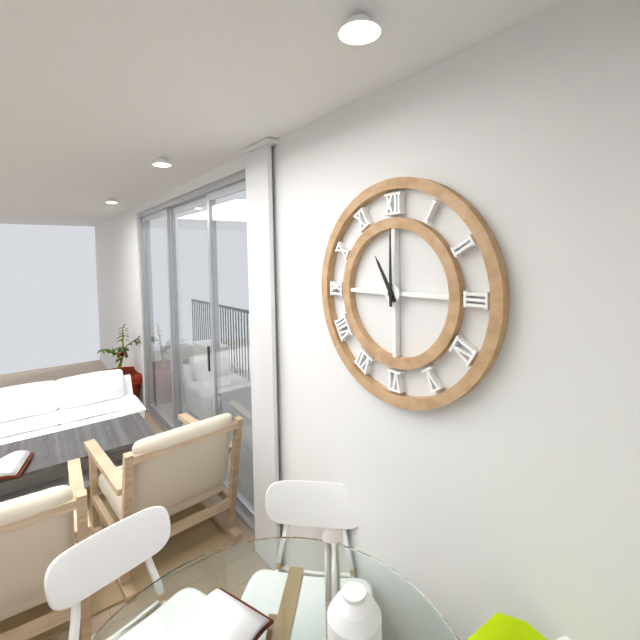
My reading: 11:00
